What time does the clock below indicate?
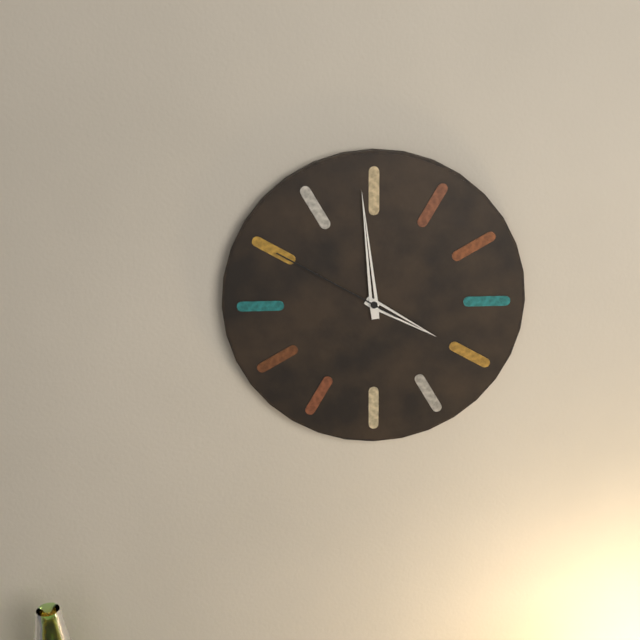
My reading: 3:59:50
